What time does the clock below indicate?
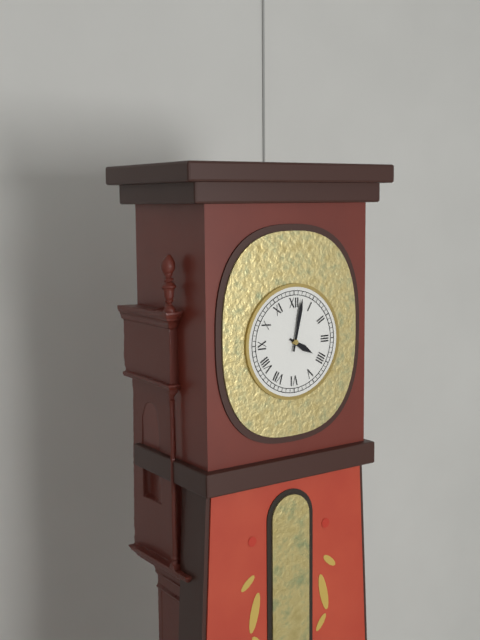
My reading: 4:02
